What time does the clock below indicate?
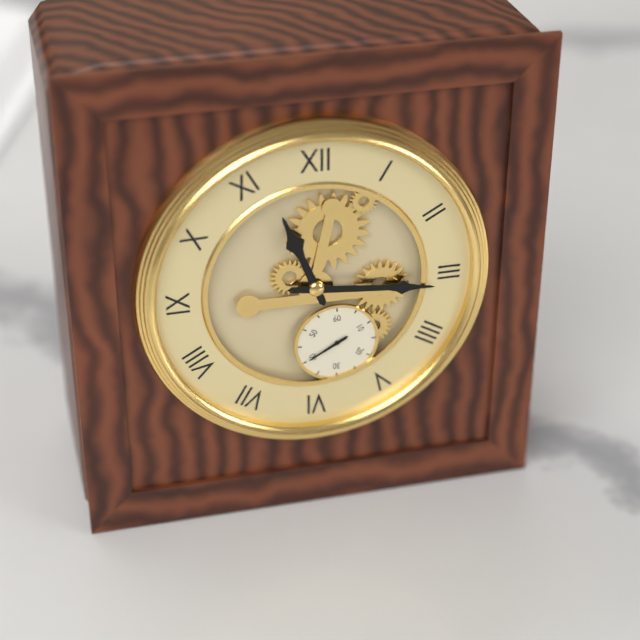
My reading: 11:16
